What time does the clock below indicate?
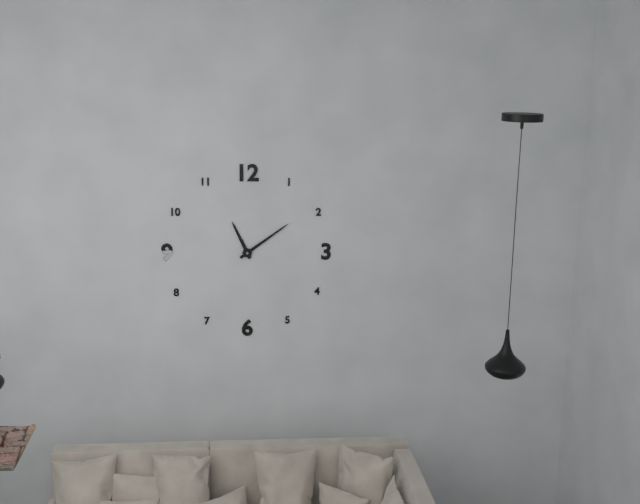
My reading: 11:09
